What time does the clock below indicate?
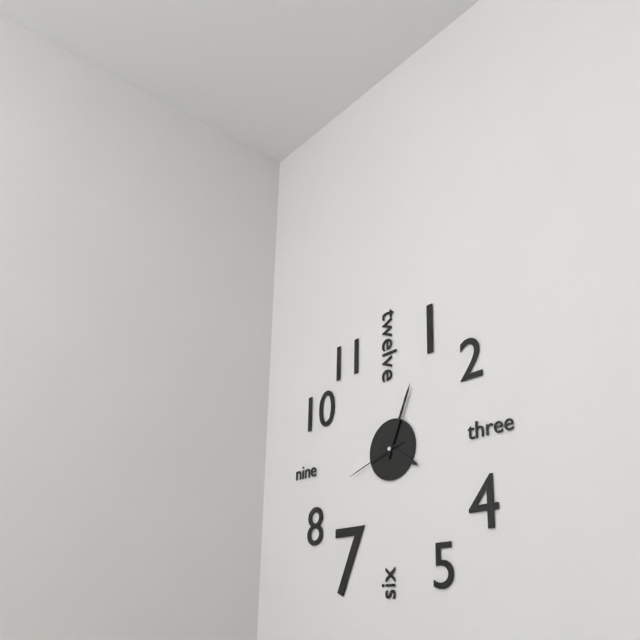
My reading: 4:04:42
